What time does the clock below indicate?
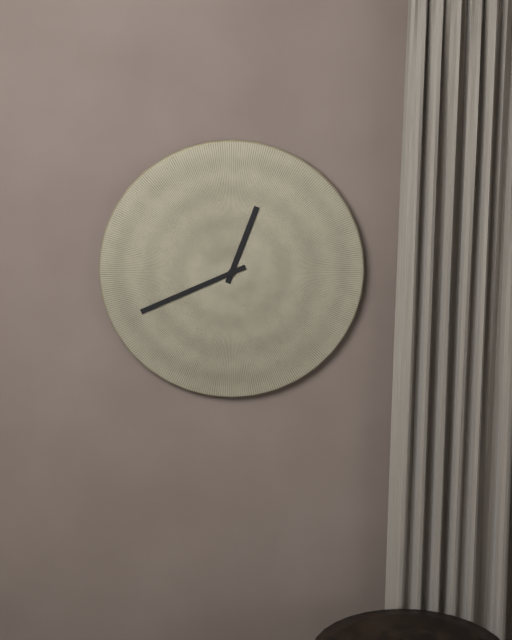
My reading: 12:41
